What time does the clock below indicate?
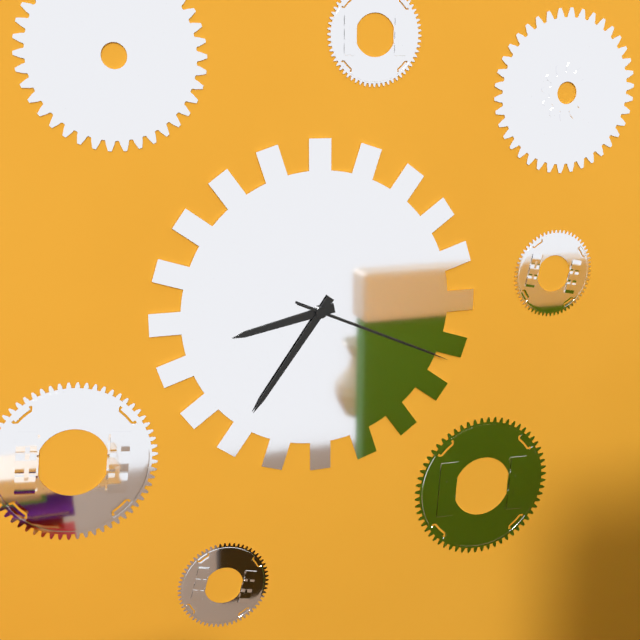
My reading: 8:36:19
